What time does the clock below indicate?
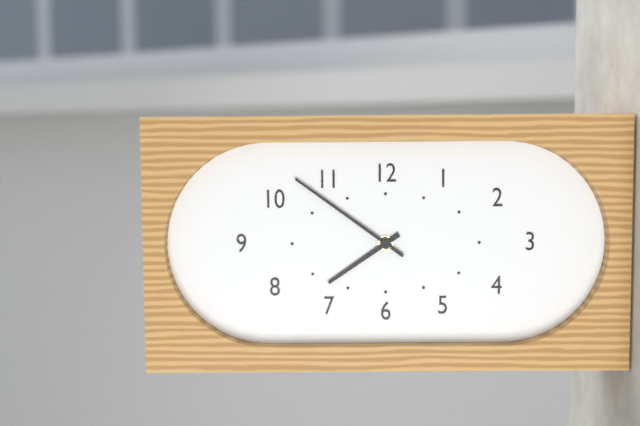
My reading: 7:51
